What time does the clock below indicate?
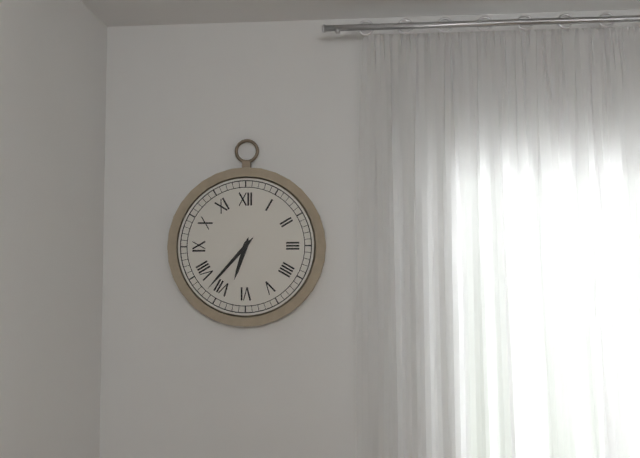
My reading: 6:37
